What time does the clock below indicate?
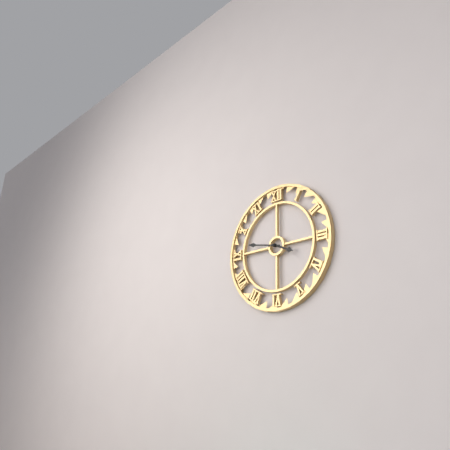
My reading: 3:47
